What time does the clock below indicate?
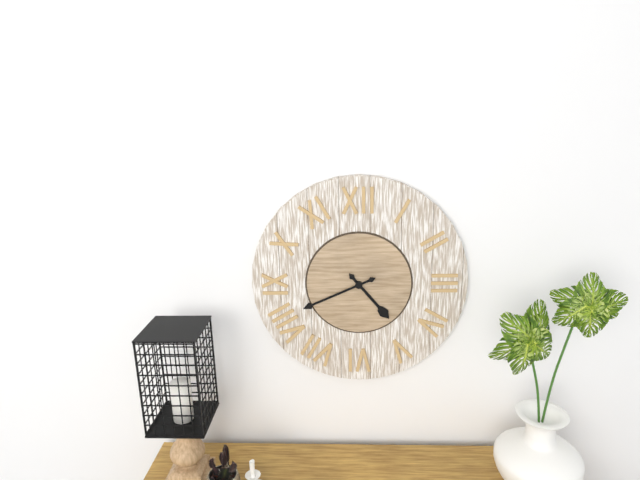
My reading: 4:41
